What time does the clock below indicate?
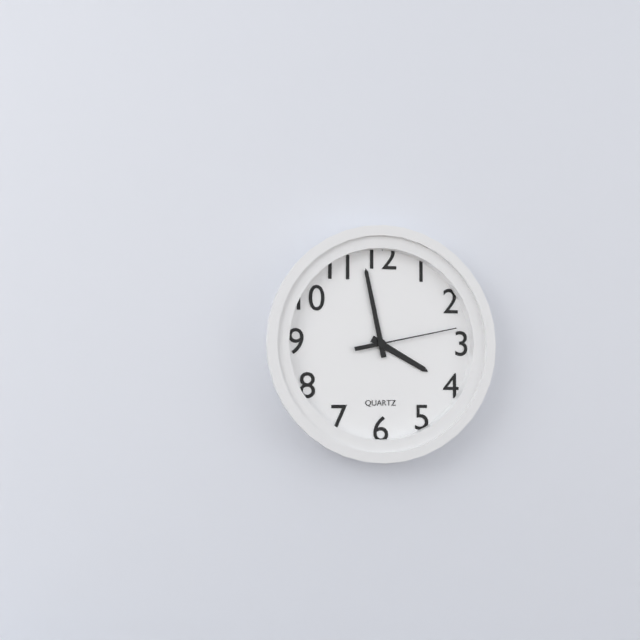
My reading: 3:58:13
